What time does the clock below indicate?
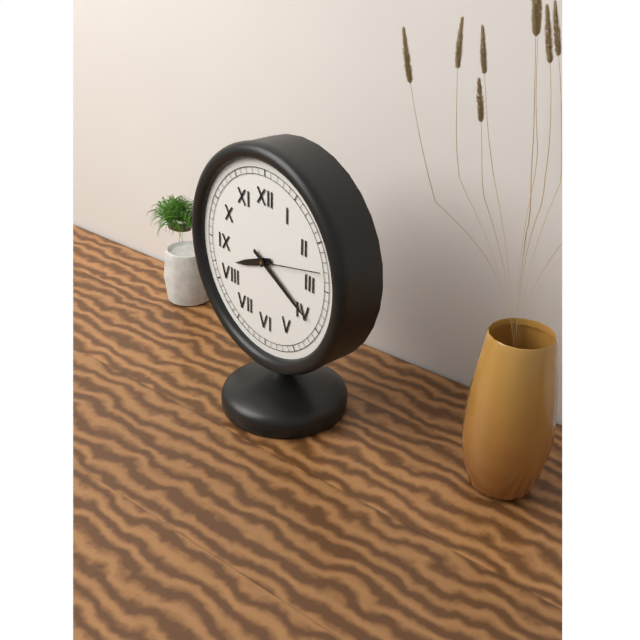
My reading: 8:20:13
